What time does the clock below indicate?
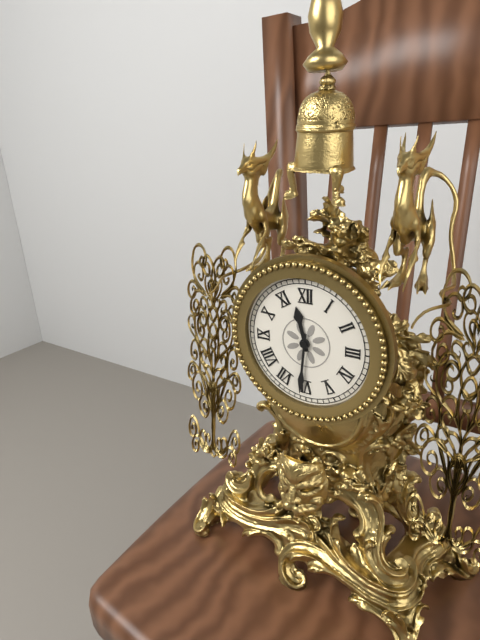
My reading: 11:31
